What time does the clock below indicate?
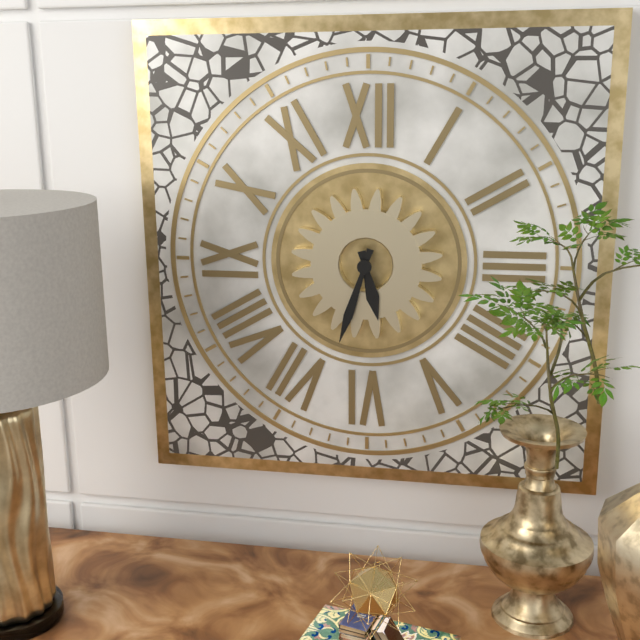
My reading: 5:33
